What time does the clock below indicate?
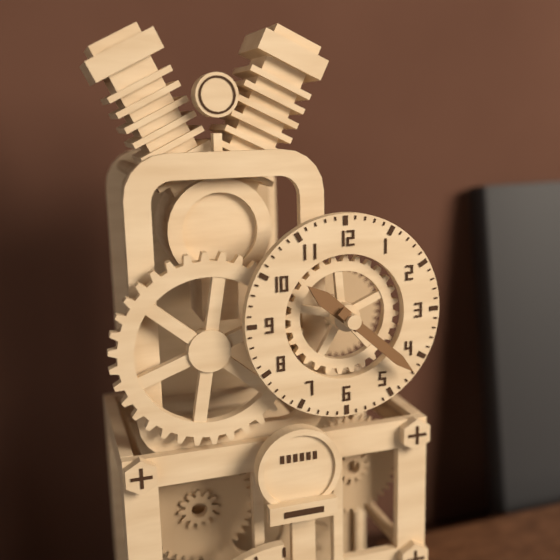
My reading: 10:22
